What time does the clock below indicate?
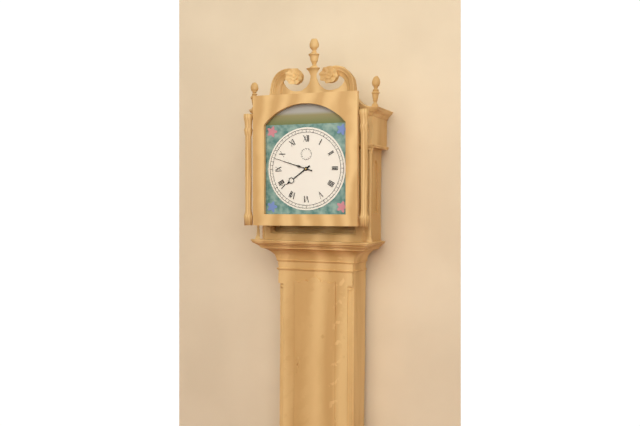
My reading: 7:48
